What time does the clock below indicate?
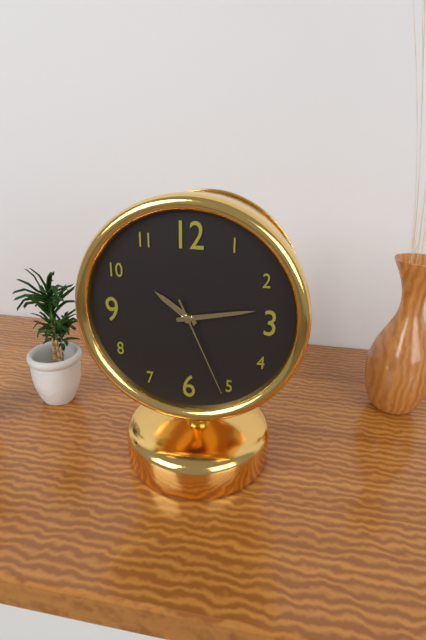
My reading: 10:13:26
